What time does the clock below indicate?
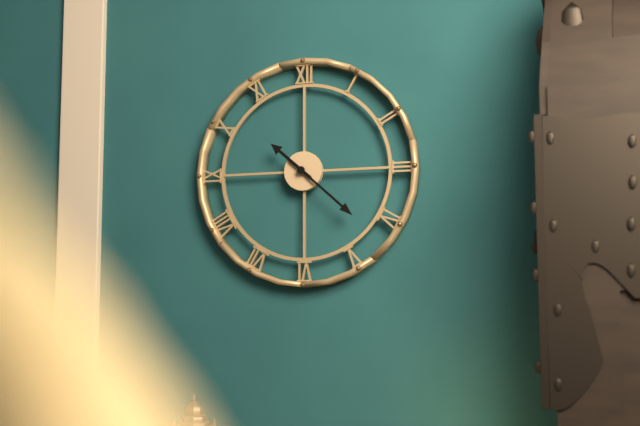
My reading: 10:22
